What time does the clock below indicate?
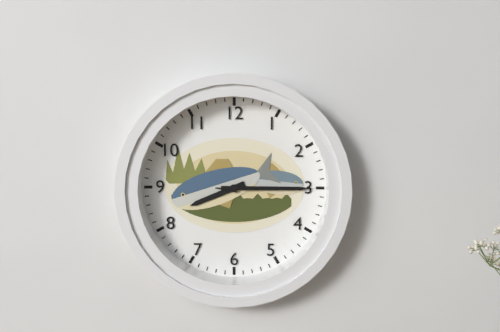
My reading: 8:15:15
